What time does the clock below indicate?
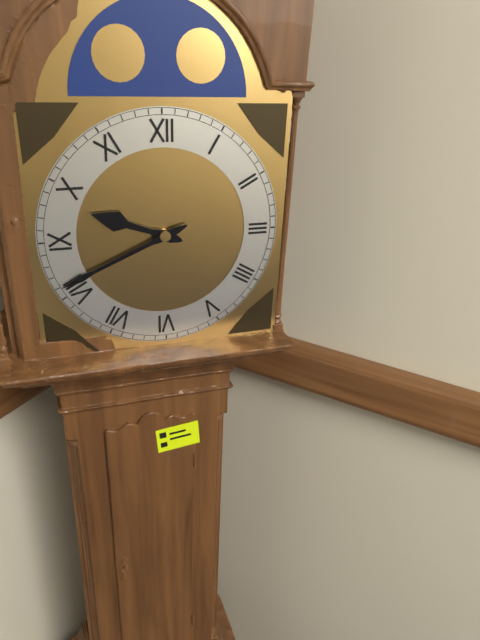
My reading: 9:41
